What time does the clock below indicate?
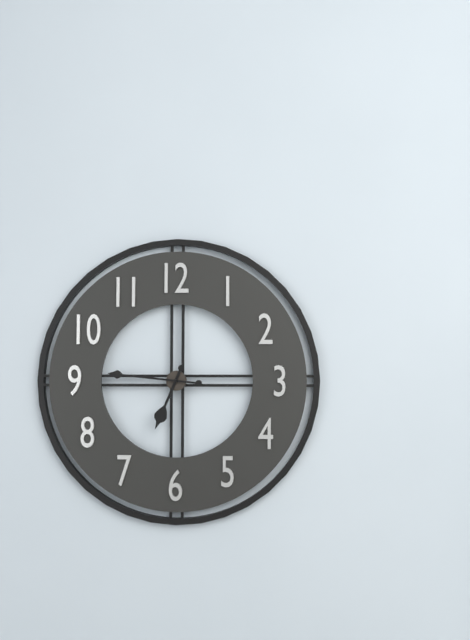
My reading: 6:46
